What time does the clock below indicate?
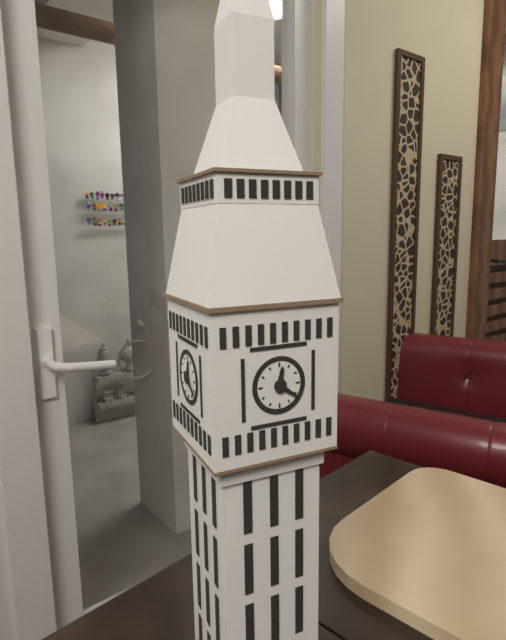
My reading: 12:21
